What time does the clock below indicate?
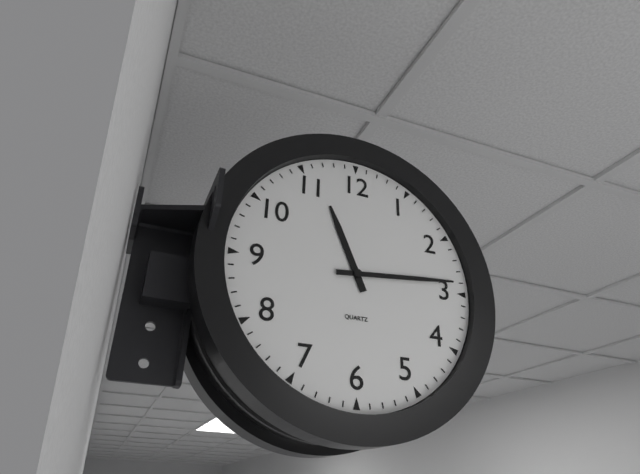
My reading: 11:14
